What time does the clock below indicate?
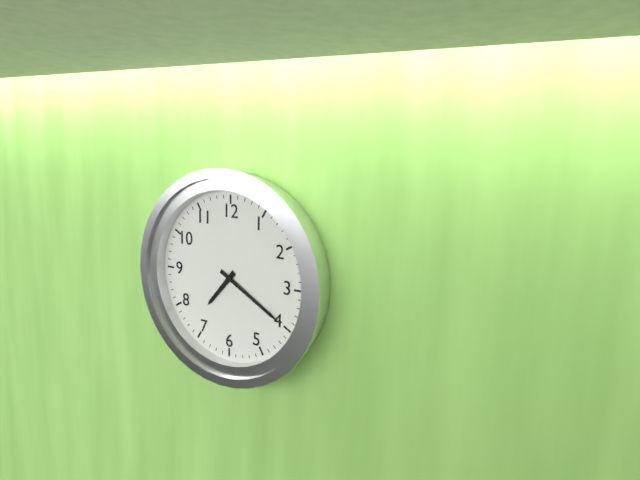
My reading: 7:20
